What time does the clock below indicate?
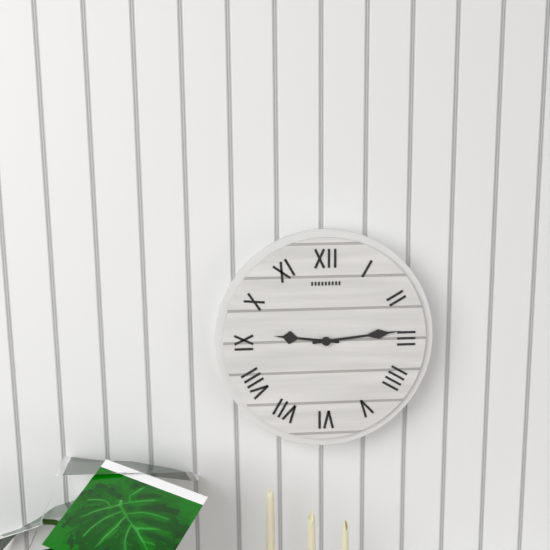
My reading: 9:14
